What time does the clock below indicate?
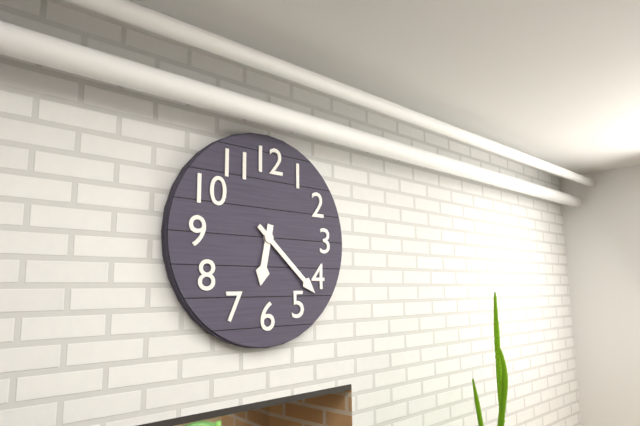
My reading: 6:22
